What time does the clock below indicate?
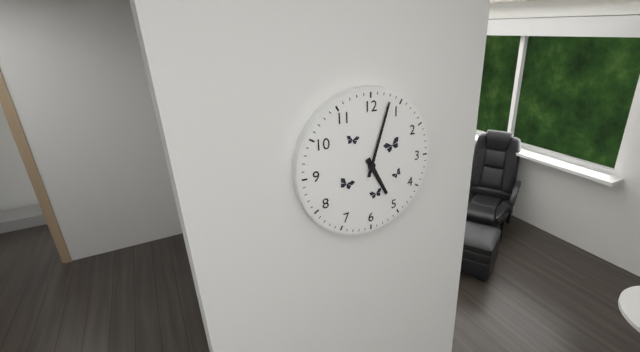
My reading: 5:03
